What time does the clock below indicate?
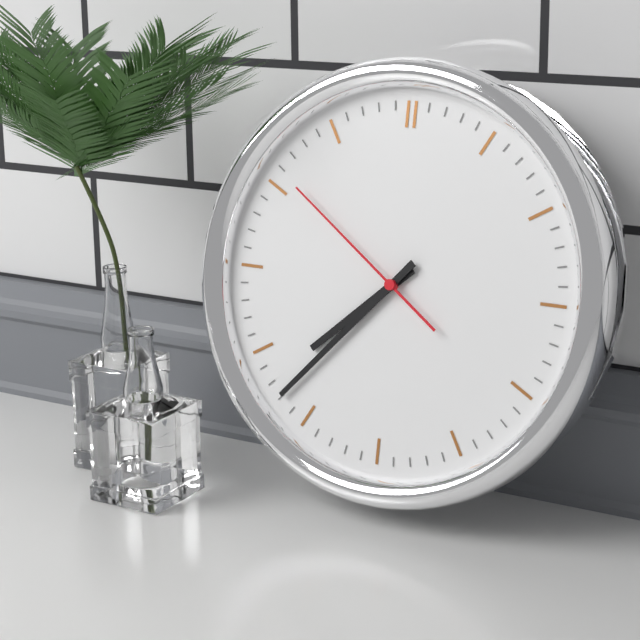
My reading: 7:37:51
